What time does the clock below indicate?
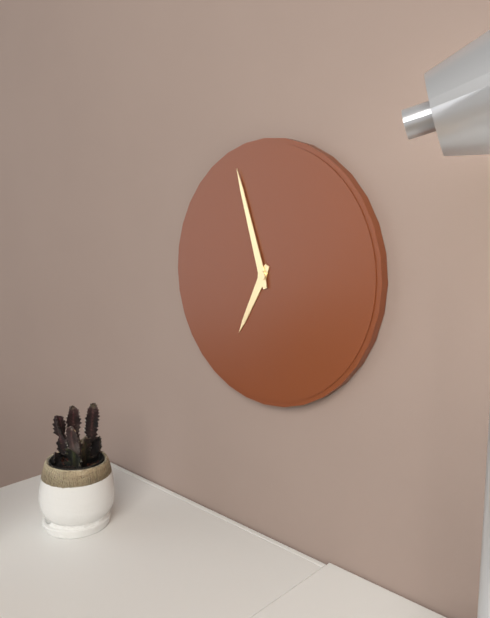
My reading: 6:57
